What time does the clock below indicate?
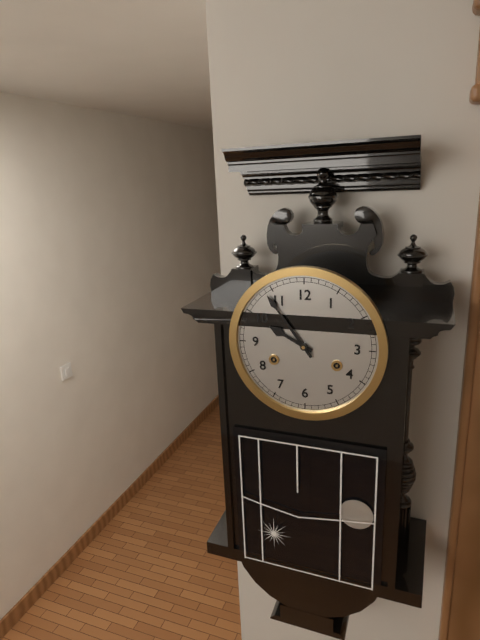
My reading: 9:54
